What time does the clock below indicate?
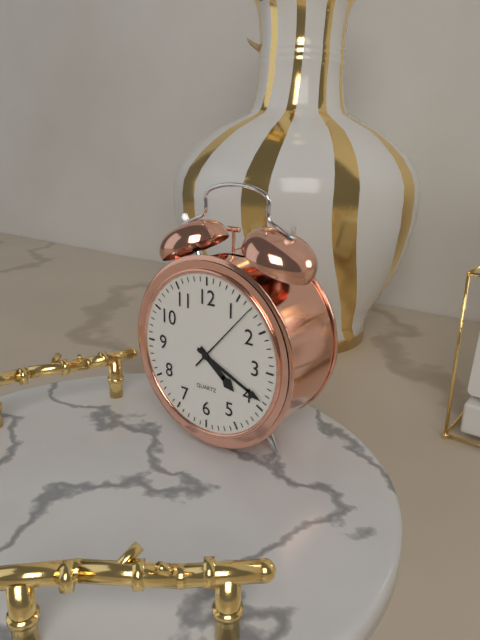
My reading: 4:19:07
